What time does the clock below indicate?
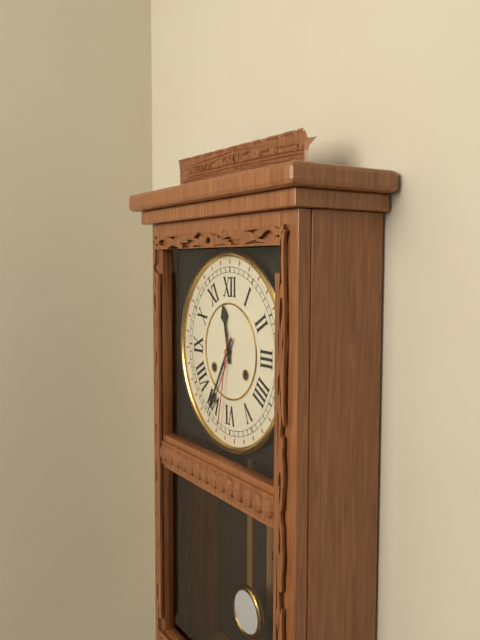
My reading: 11:35:32
